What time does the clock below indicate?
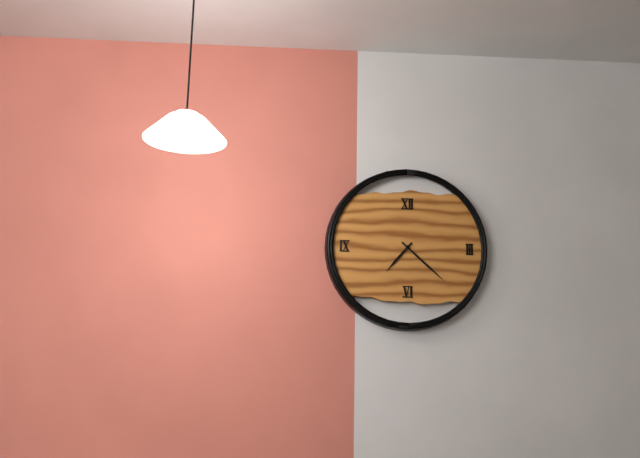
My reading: 7:22
